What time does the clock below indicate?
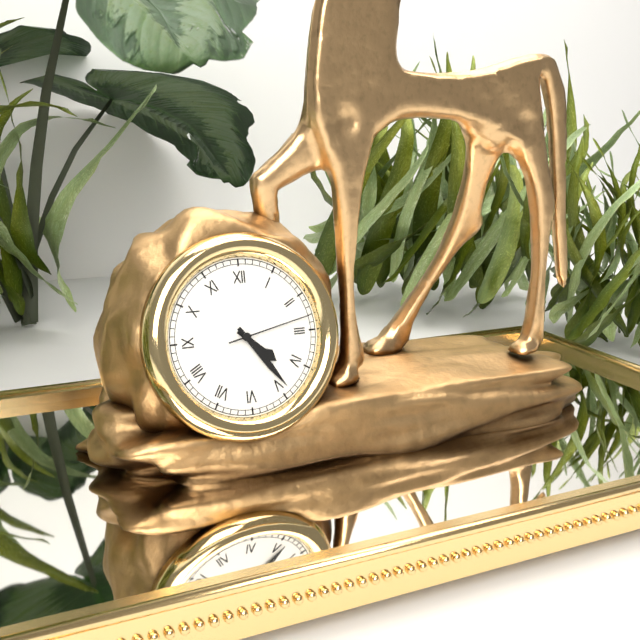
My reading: 4:24:13
